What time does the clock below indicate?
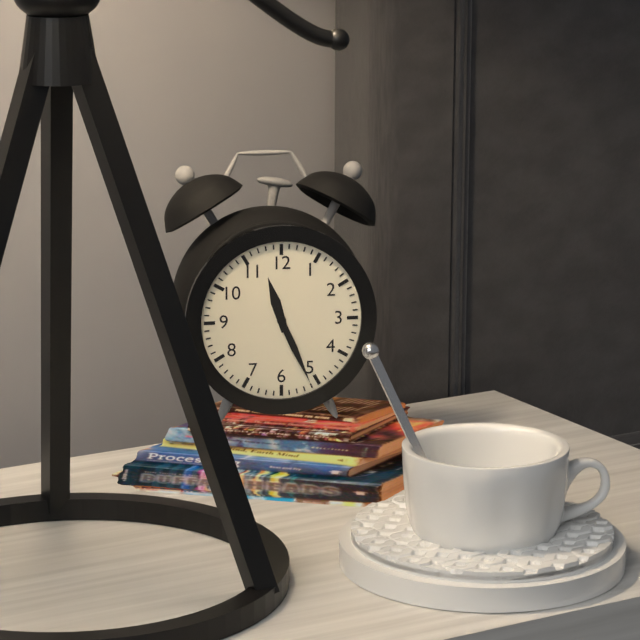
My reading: 11:26
